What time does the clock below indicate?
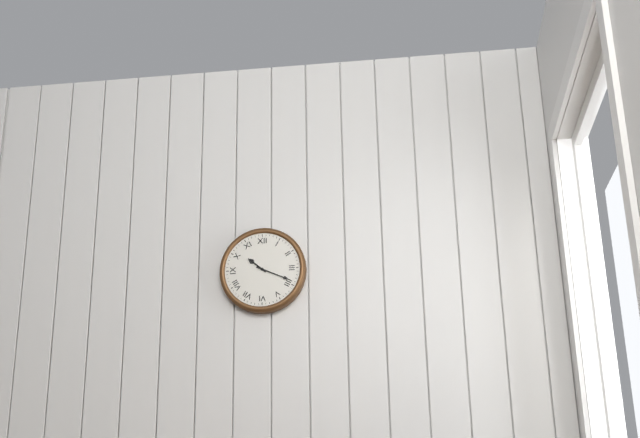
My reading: 10:19
